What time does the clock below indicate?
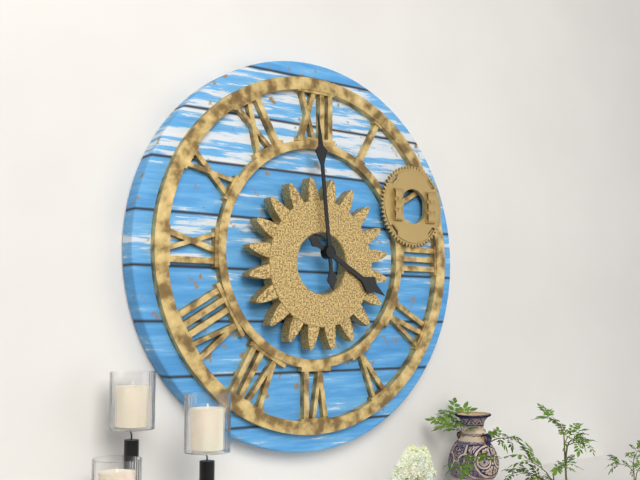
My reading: 3:59
